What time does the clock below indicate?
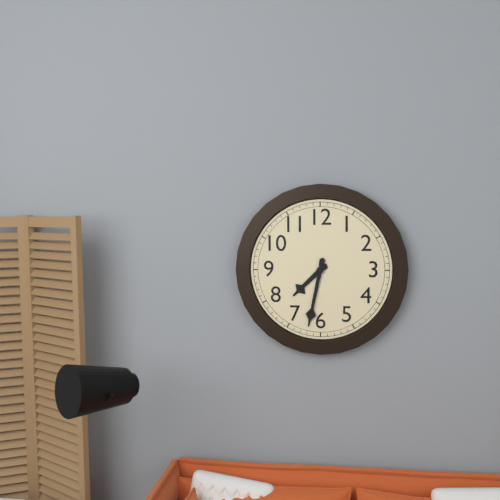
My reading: 7:32
